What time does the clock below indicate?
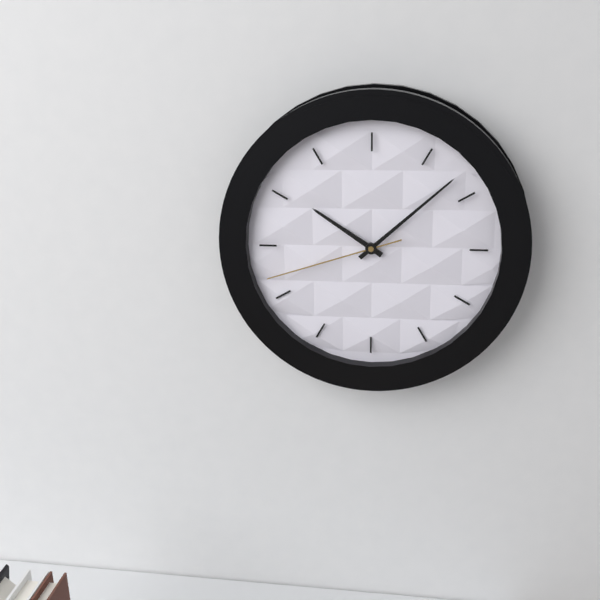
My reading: 10:08:42
